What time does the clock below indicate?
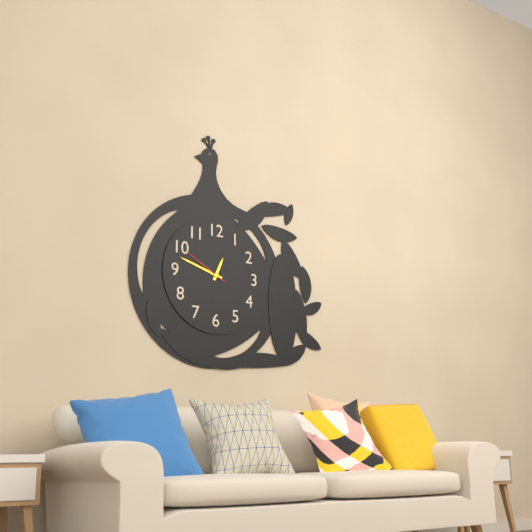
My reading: 12:48
